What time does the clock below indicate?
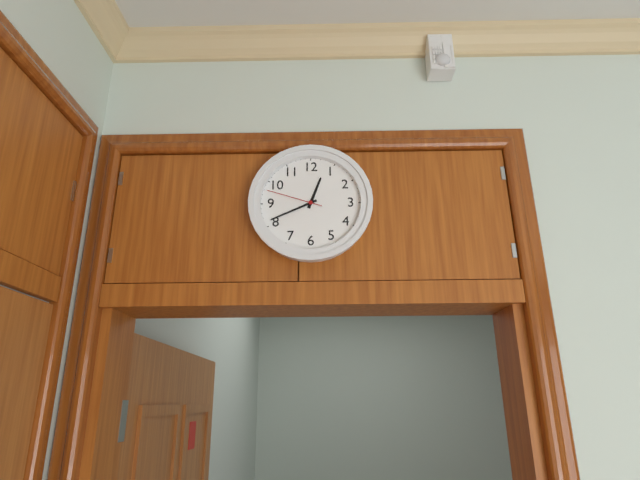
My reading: 12:41:48
